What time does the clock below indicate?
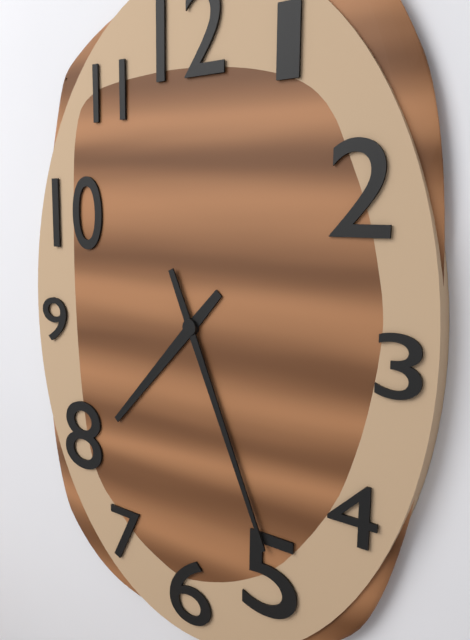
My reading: 7:26
